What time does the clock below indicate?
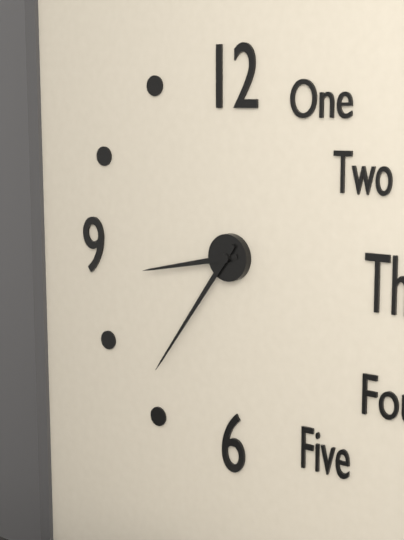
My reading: 8:36
